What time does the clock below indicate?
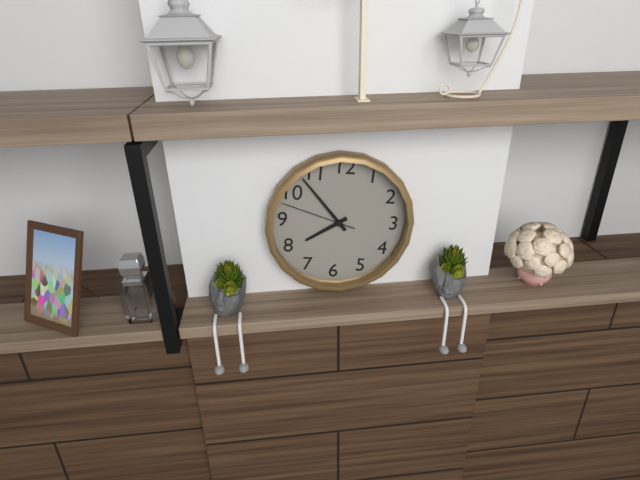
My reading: 7:53:48
